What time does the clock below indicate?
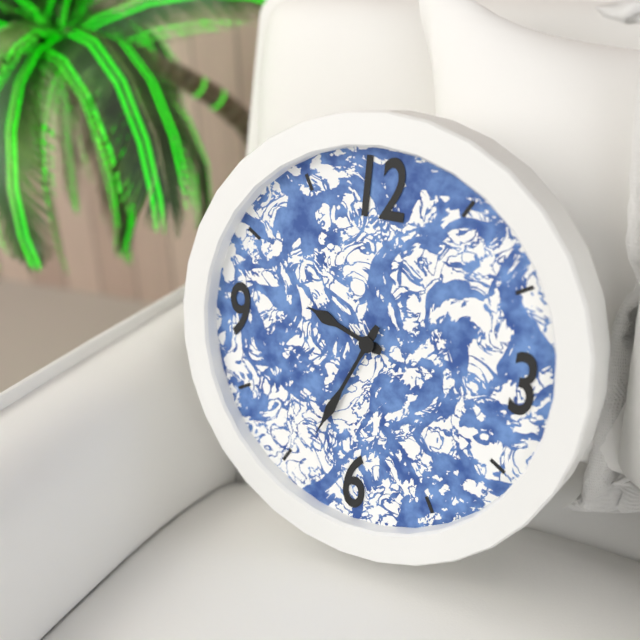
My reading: 9:34
